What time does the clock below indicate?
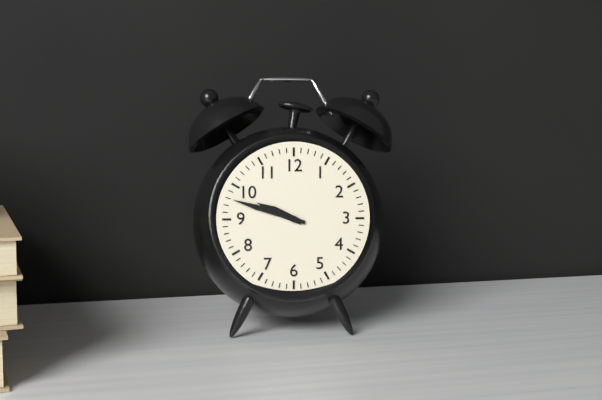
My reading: 9:48
